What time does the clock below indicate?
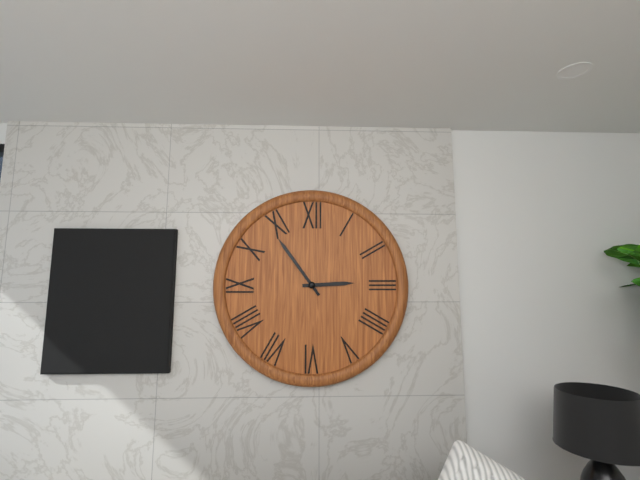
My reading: 2:54
